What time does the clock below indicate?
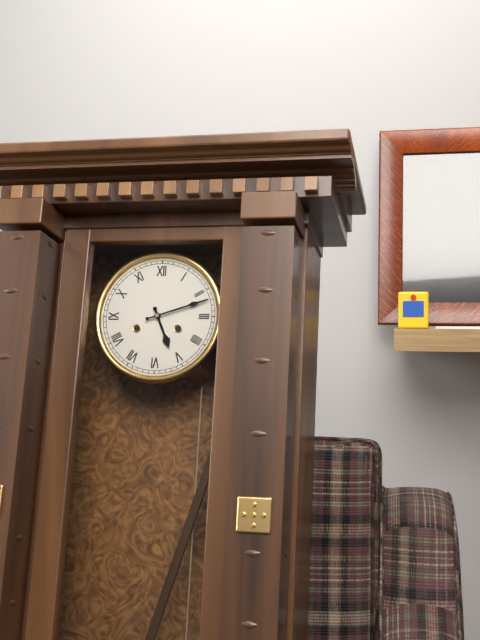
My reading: 5:12
